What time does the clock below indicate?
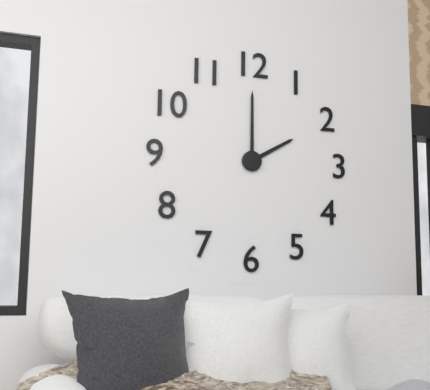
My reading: 2:00
